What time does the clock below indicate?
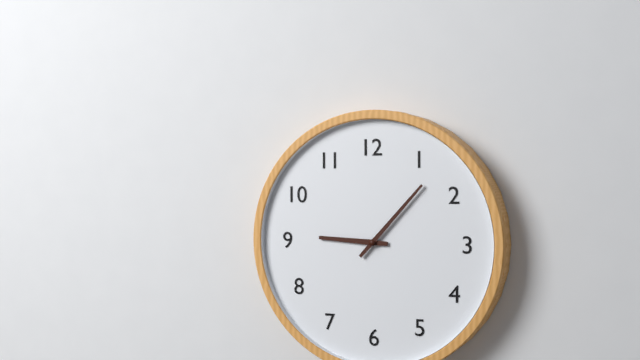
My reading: 9:07
